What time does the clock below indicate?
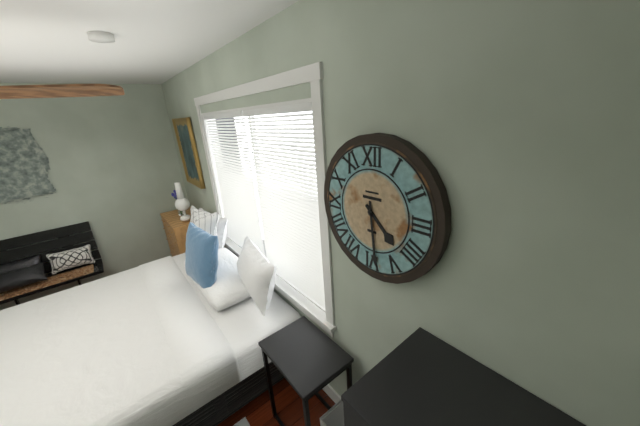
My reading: 4:29
